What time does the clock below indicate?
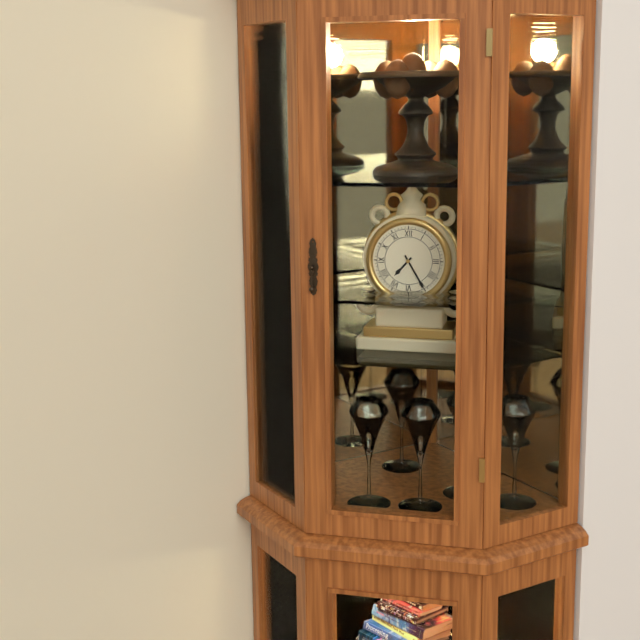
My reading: 7:25
